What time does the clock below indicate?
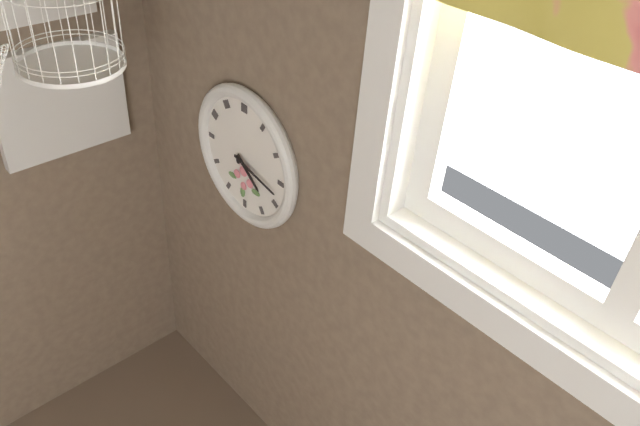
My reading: 4:17
